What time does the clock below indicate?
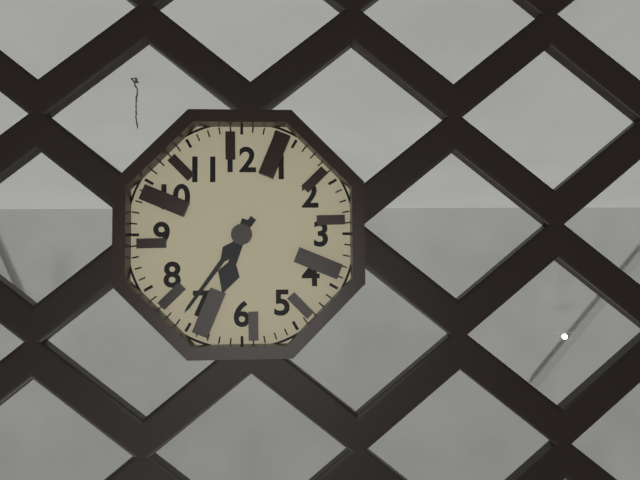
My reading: 6:36
